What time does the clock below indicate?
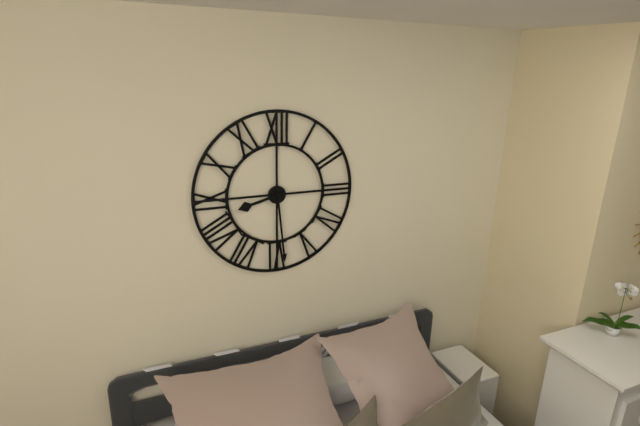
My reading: 8:29
